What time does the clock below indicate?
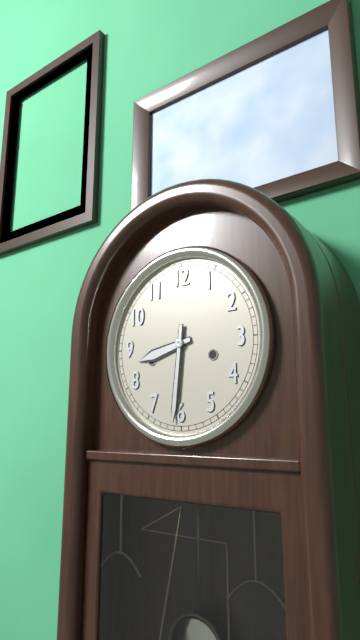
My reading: 8:31
